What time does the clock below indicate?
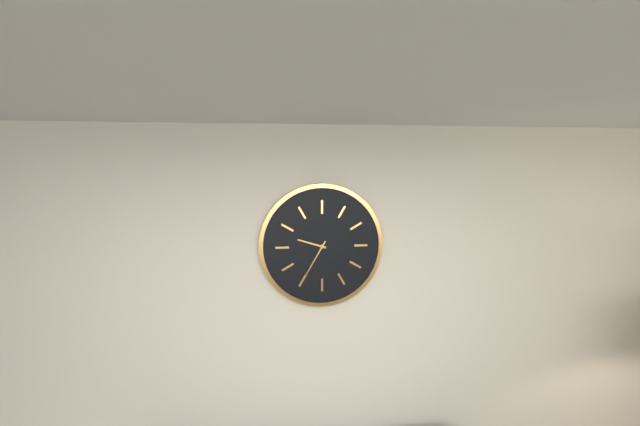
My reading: 9:35
